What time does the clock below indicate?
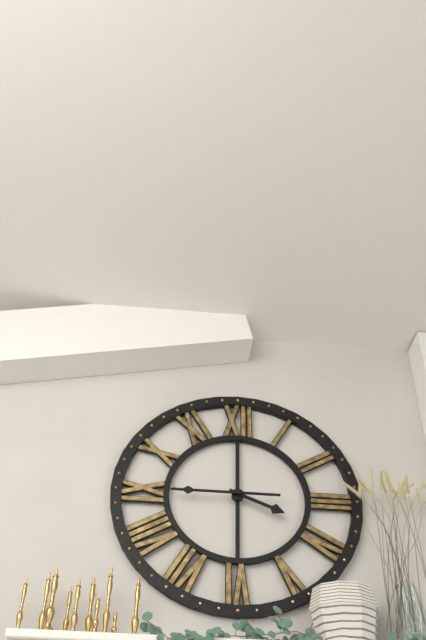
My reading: 3:45
